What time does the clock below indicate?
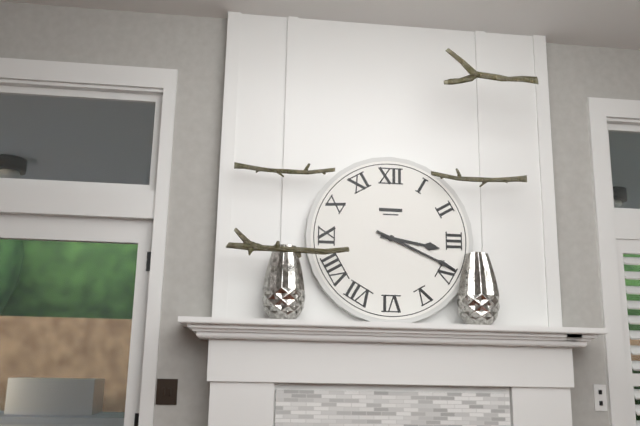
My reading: 3:19
